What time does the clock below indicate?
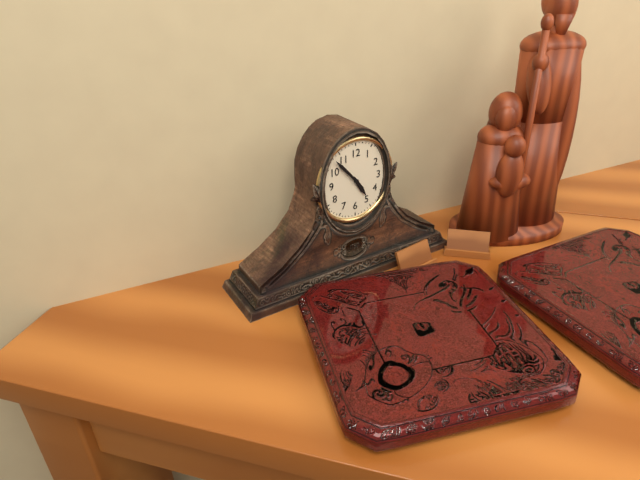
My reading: 4:53
